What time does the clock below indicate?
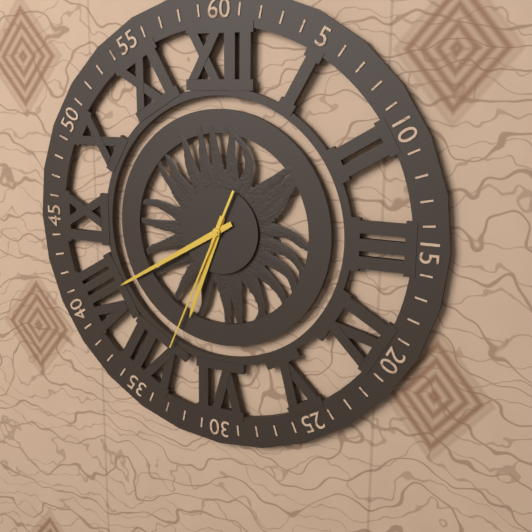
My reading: 6:40:34
